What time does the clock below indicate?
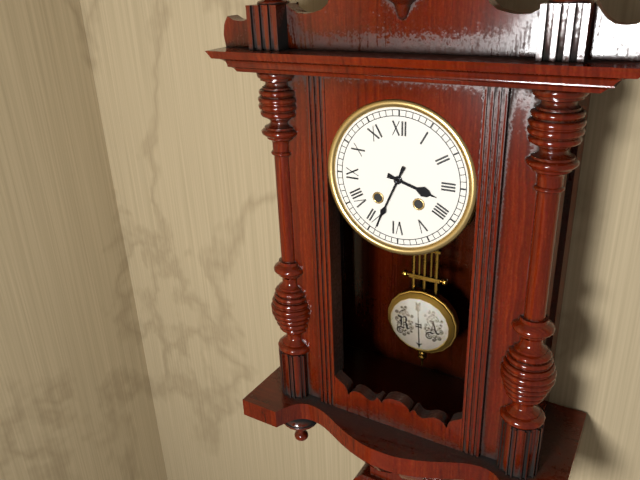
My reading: 3:34
